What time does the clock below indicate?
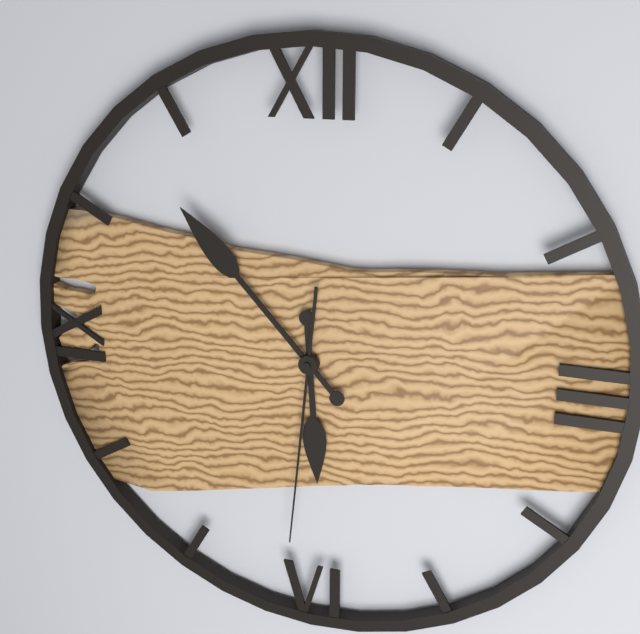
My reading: 5:53:31
